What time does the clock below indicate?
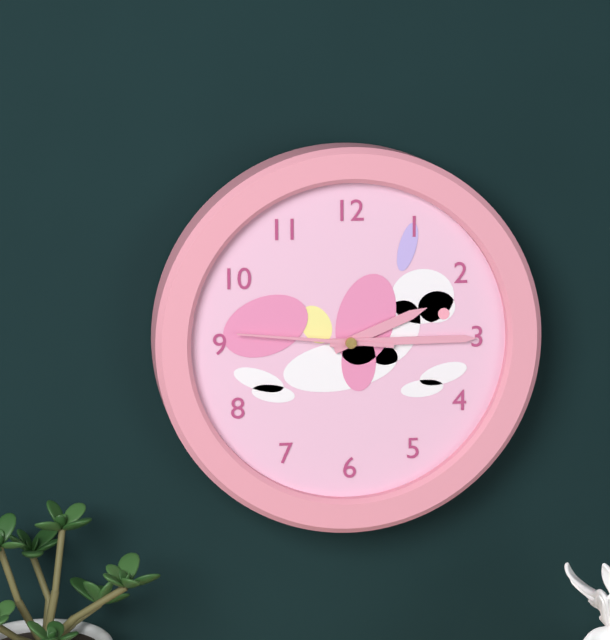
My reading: 2:15:46
